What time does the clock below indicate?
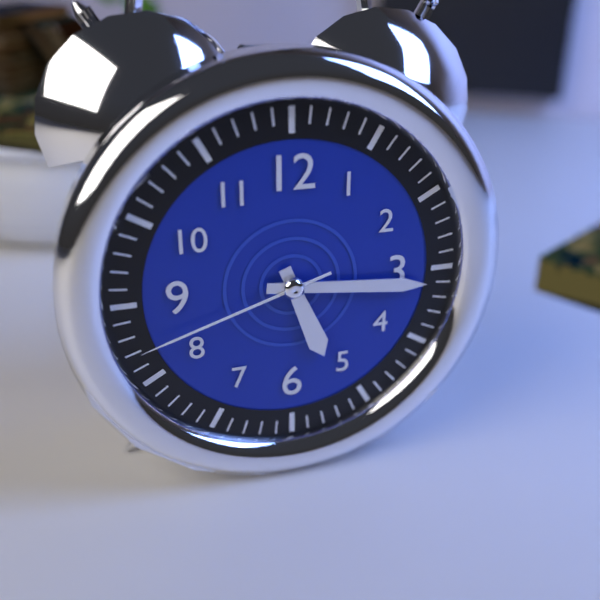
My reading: 5:16:42
